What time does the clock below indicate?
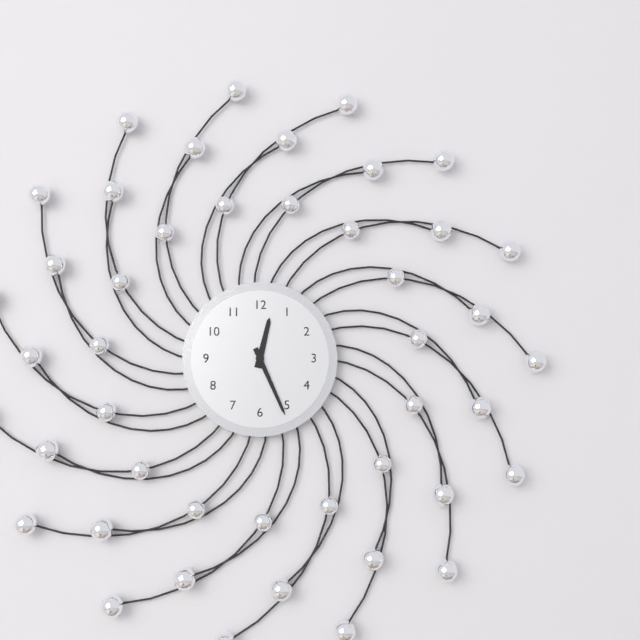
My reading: 12:26
